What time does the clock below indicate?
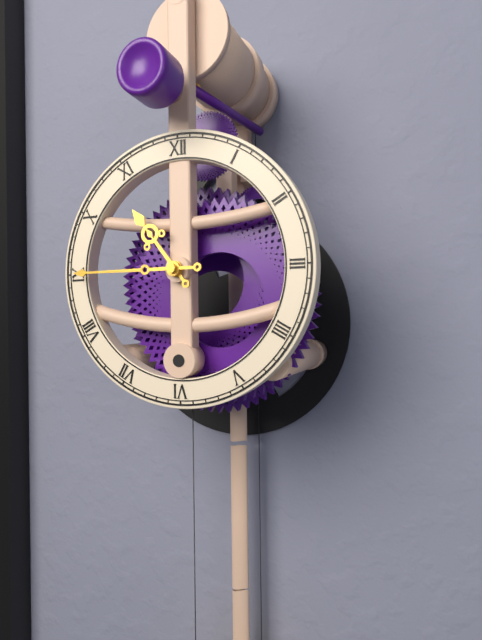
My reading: 10:45
